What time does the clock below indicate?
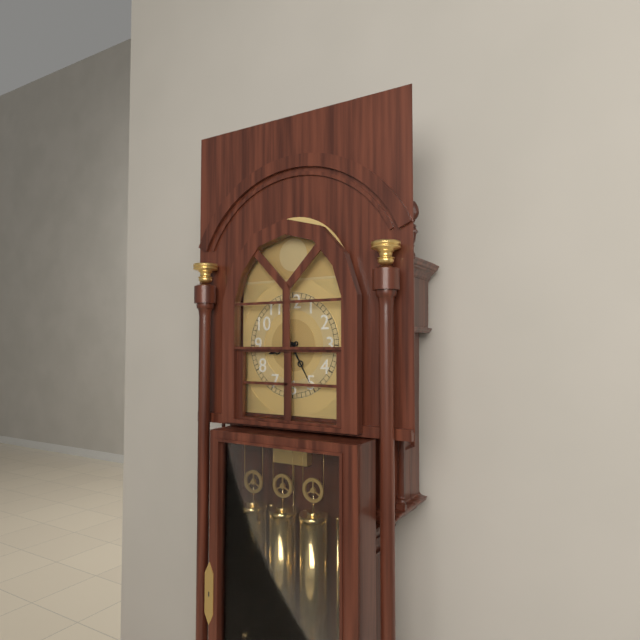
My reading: 8:25
